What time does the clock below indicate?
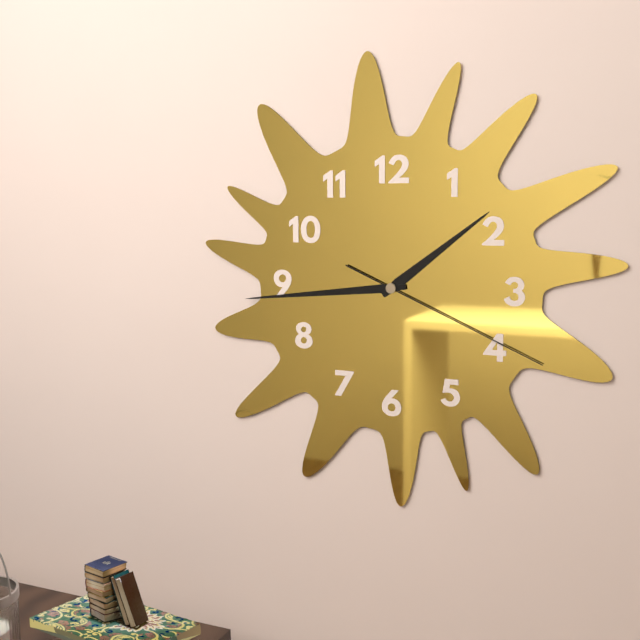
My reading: 1:44:19
